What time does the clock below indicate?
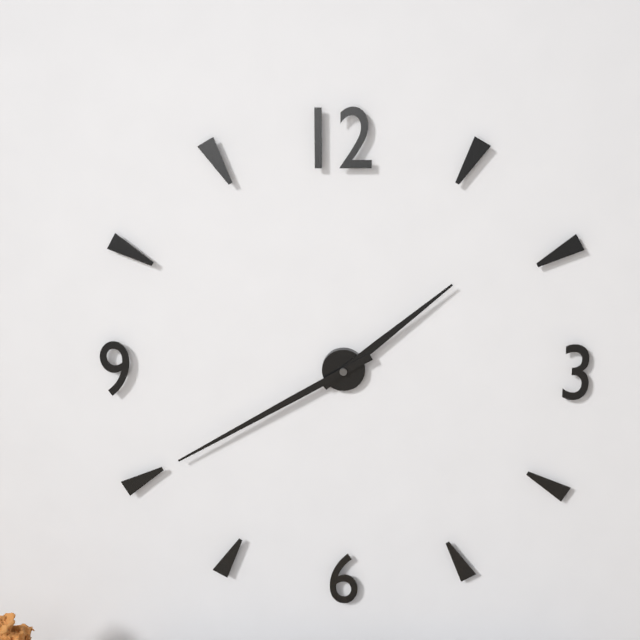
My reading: 1:40
